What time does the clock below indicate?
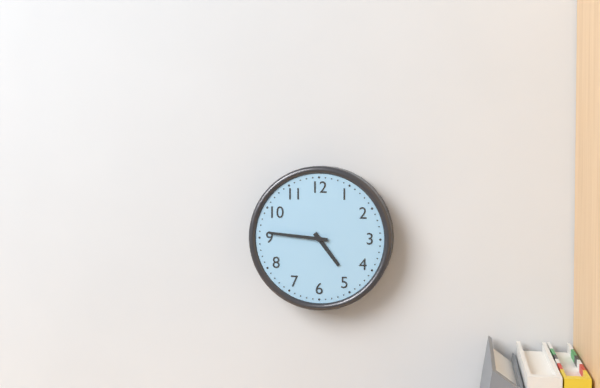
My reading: 4:46
